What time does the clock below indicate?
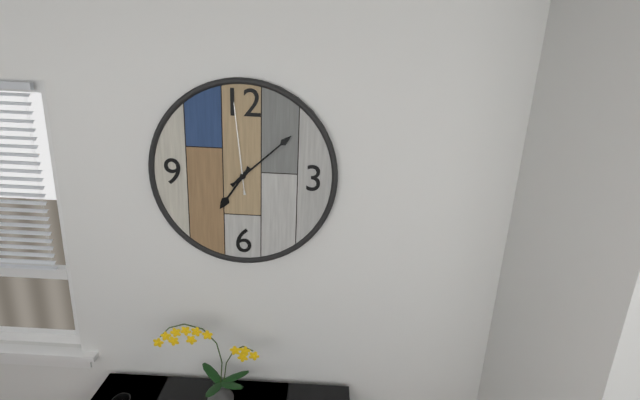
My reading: 7:08:59
